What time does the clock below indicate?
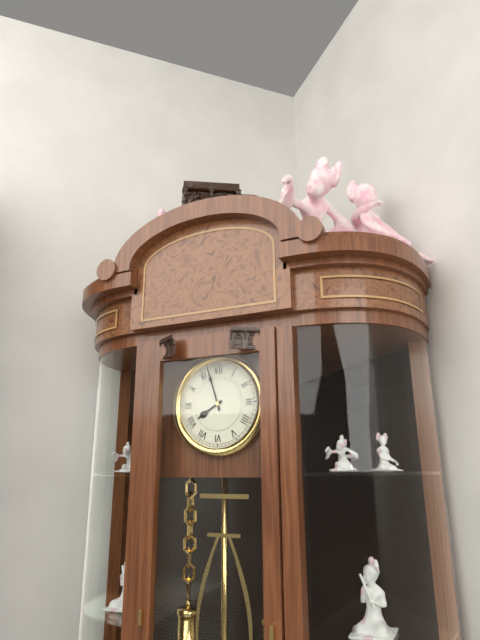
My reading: 7:57
